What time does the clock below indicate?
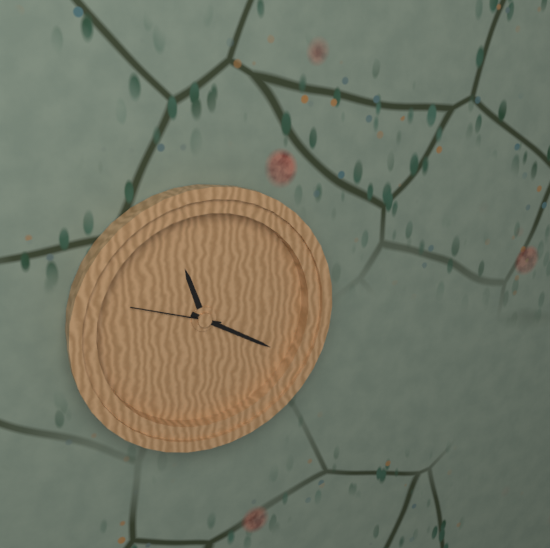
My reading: 11:20:48
